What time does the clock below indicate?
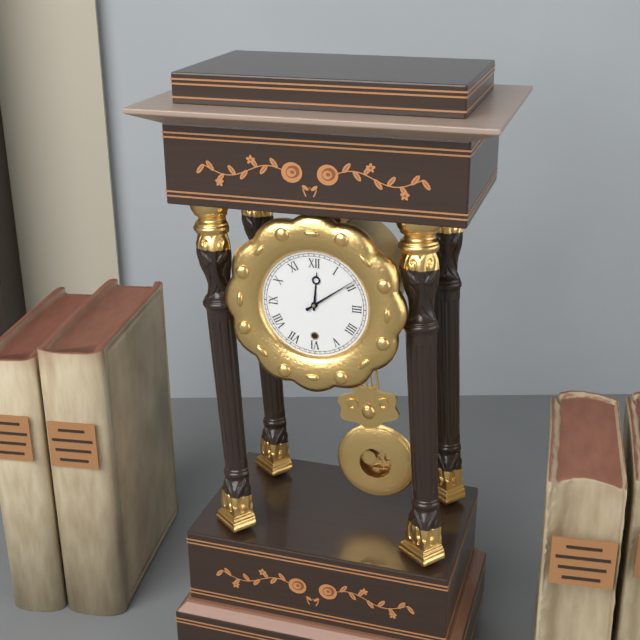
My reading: 12:09
